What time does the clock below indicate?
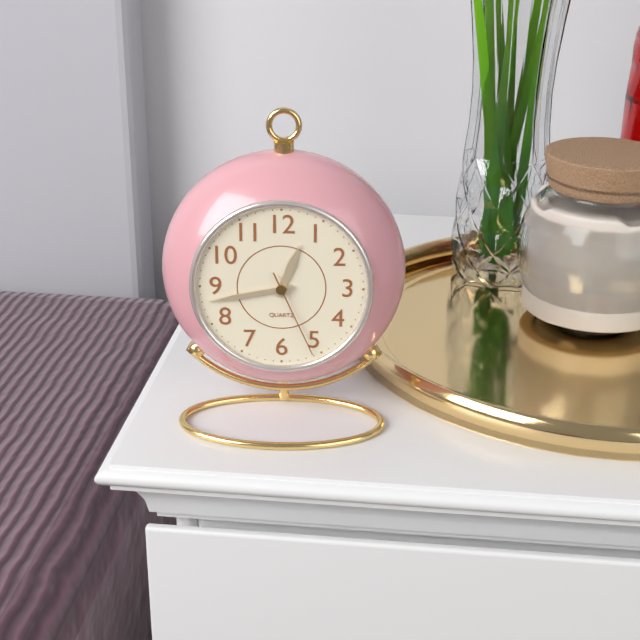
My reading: 12:43:26
